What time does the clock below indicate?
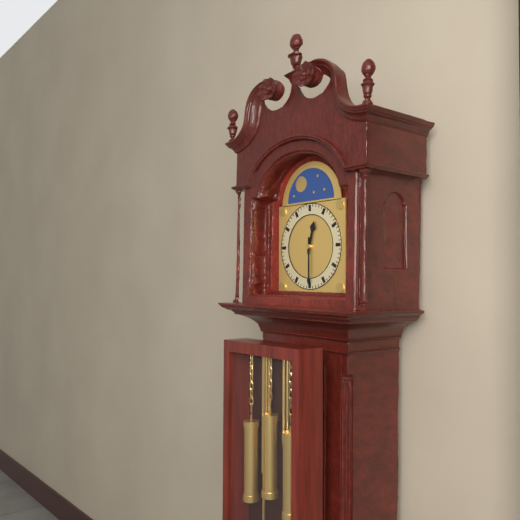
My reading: 12:30
